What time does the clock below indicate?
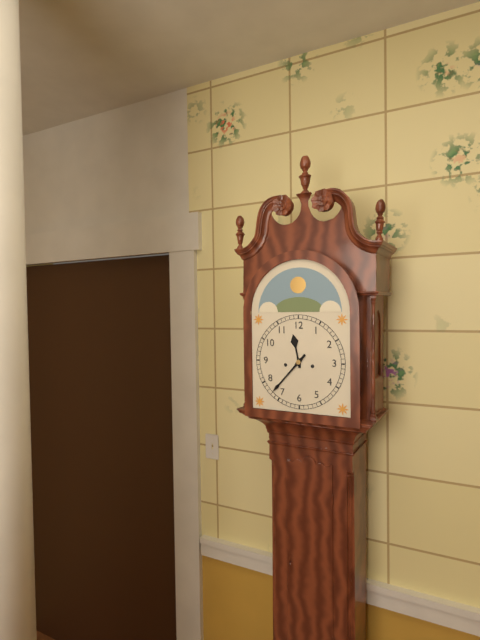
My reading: 11:37
